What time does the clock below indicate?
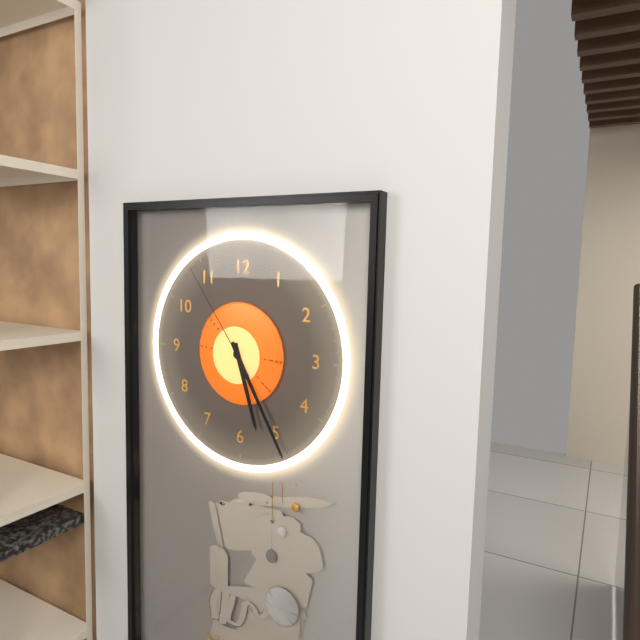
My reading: 5:25:54
